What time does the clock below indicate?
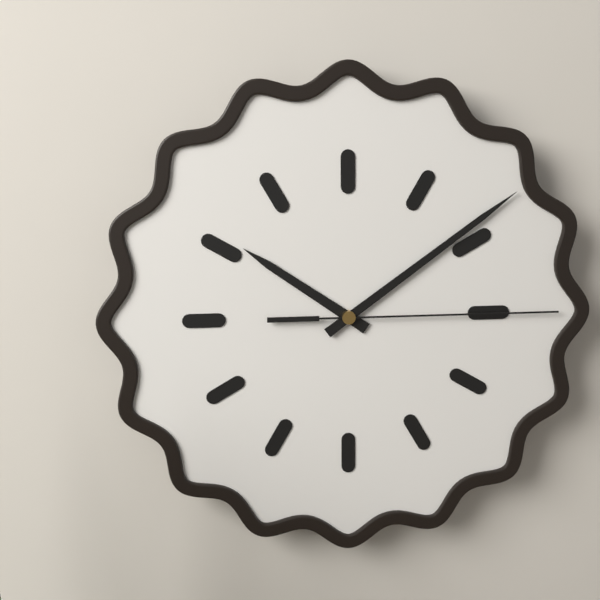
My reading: 10:09:15
